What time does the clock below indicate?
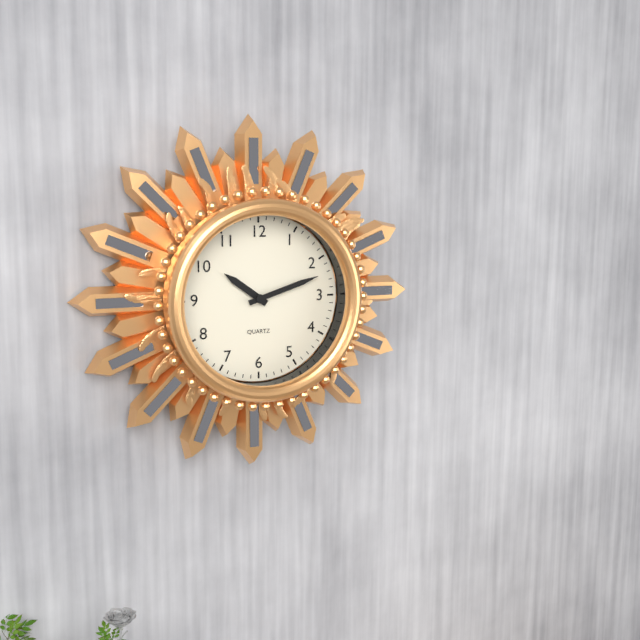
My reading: 10:12
